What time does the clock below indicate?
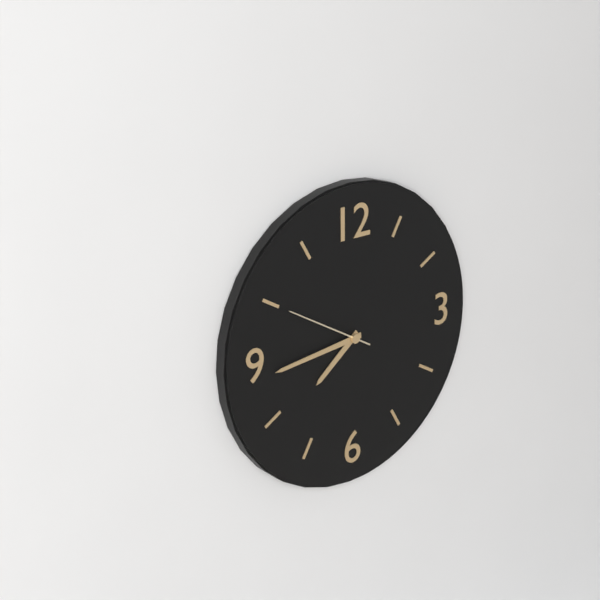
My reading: 7:44:50
